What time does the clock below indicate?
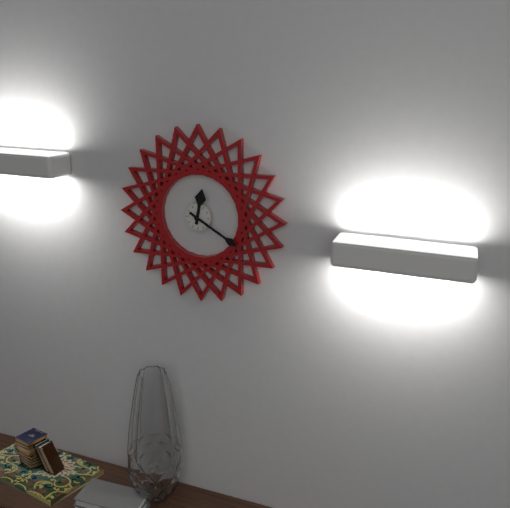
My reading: 12:20
